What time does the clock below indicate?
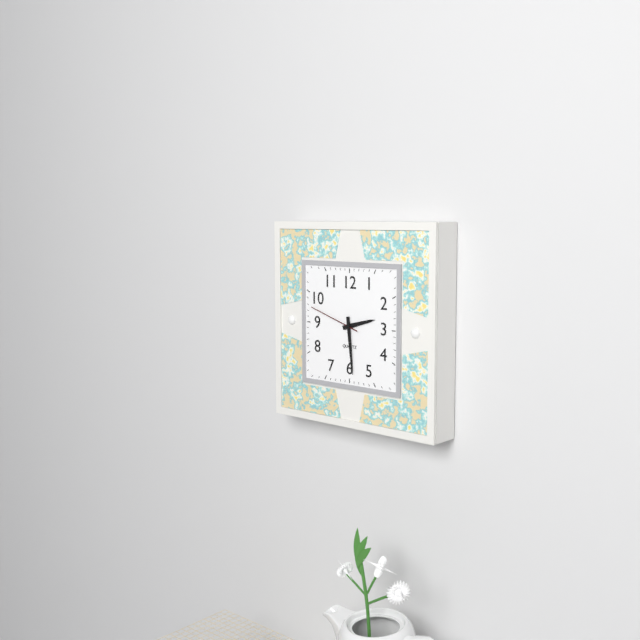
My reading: 2:29:48
